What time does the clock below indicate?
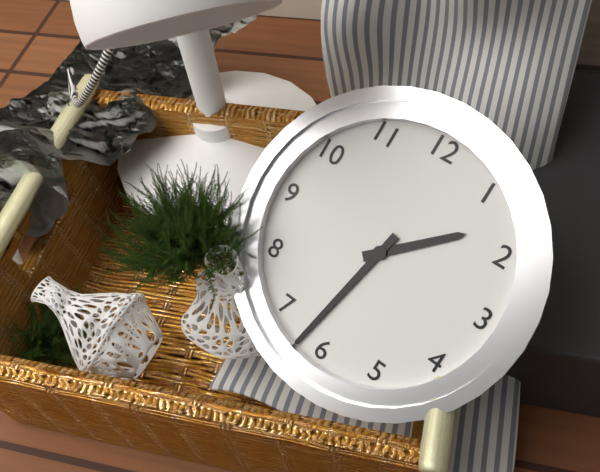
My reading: 1:32
